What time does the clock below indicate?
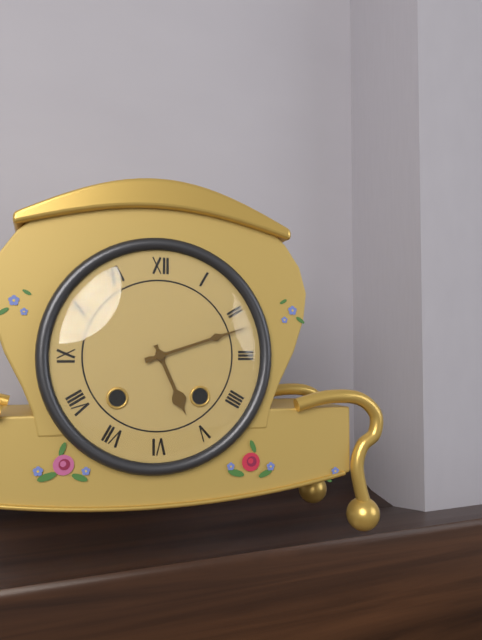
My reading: 5:12
